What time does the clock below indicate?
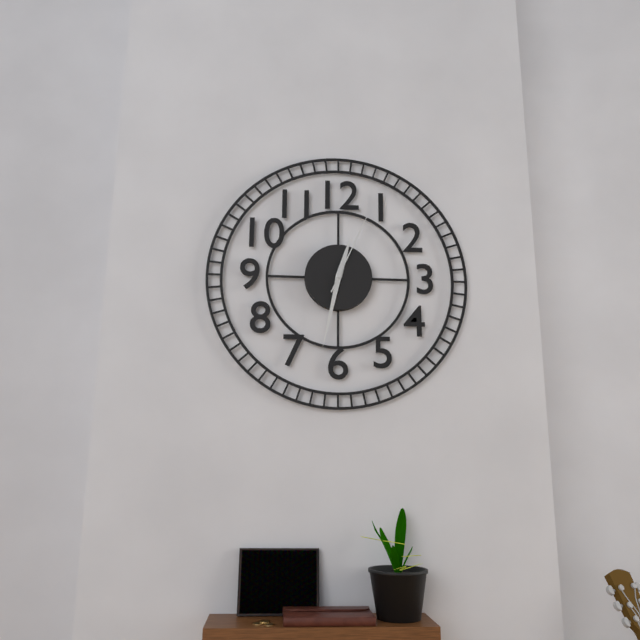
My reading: 12:32:04
